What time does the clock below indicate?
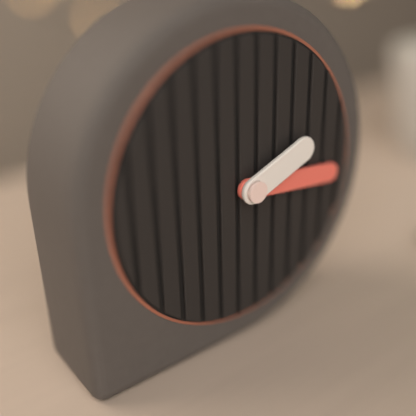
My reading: 2:16
